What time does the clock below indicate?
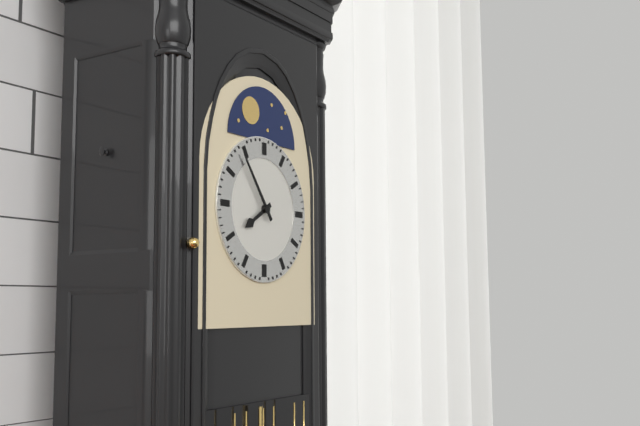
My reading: 7:54
